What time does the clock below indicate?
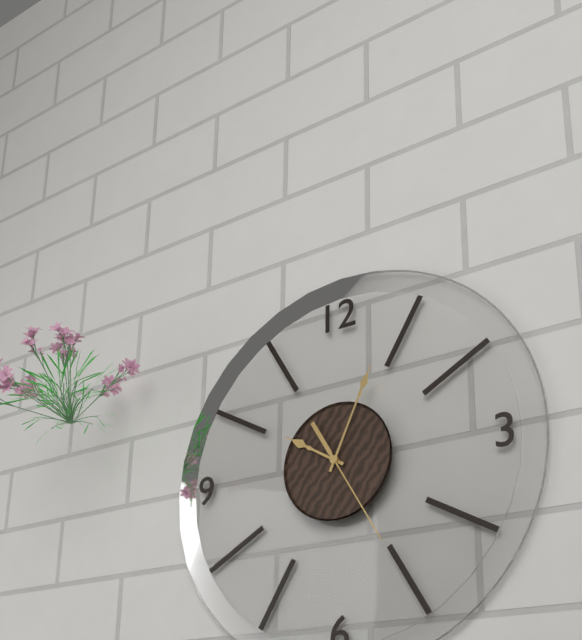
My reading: 10:04:25
